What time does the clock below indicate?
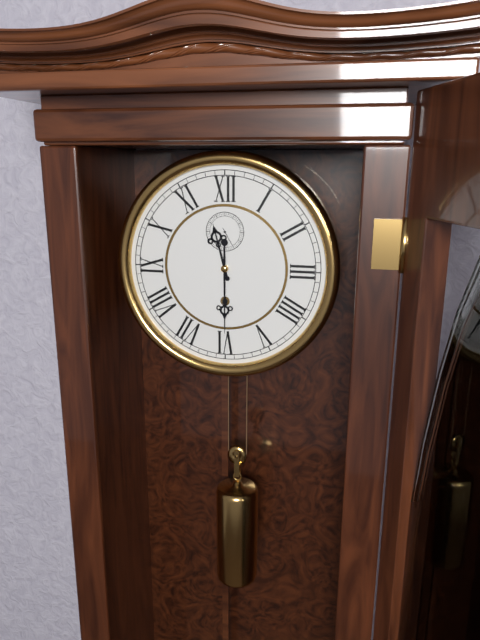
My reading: 11:30
